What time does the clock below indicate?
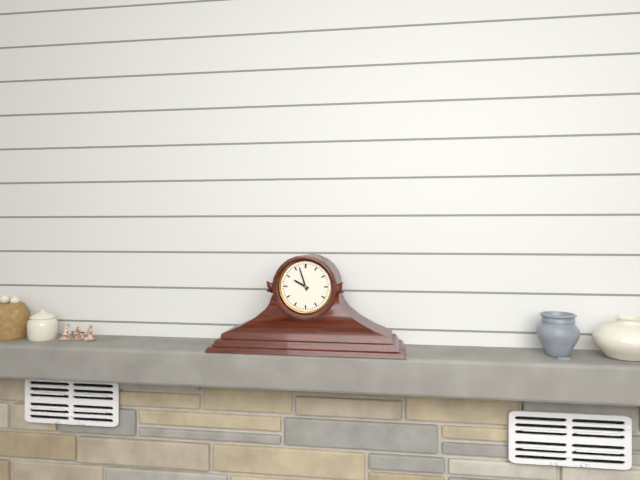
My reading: 9:57
